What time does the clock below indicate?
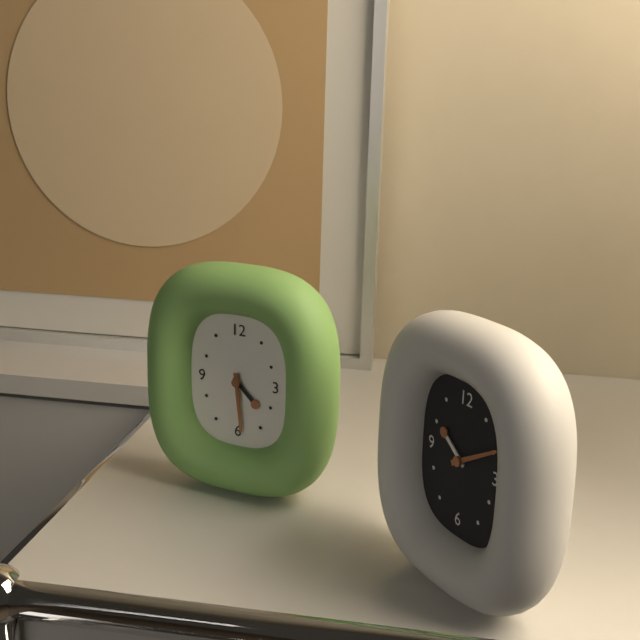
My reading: 4:29
